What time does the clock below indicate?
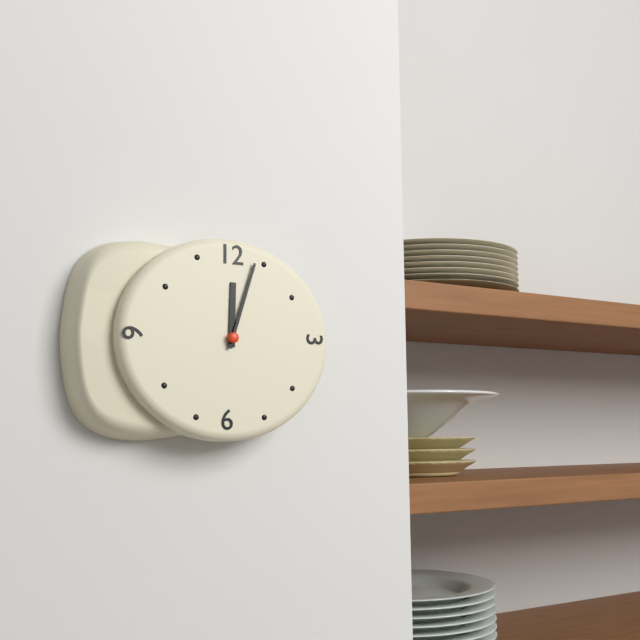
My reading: 12:03
